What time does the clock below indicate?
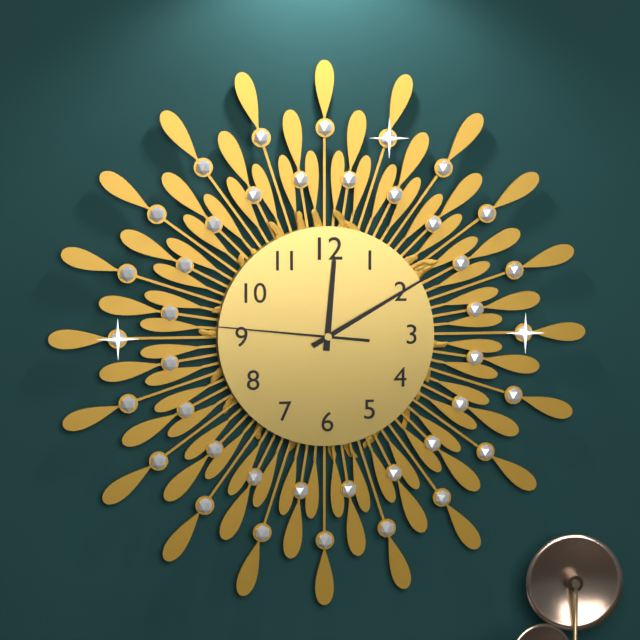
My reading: 12:10:46
